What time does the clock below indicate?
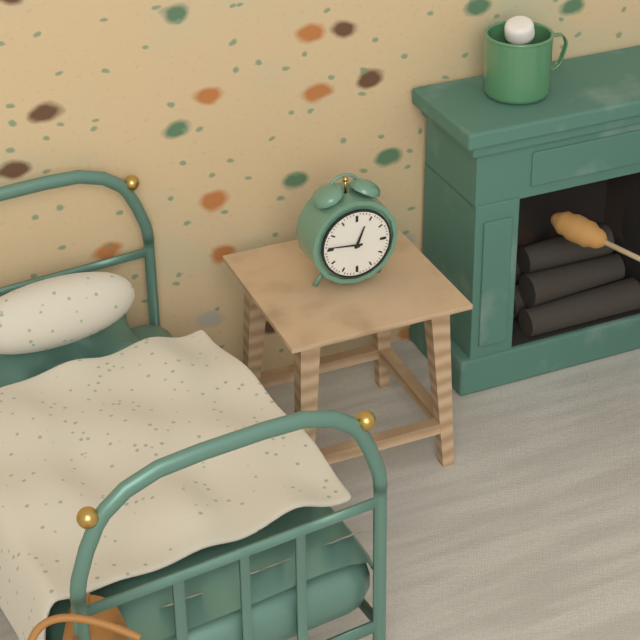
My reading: 12:46
